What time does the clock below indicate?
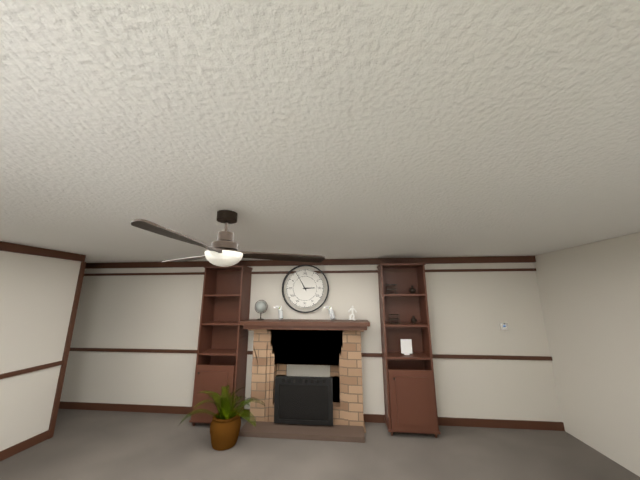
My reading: 2:55
